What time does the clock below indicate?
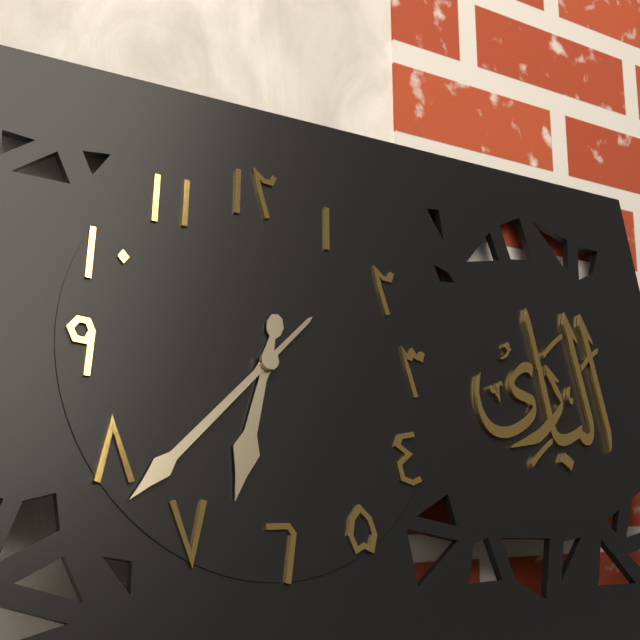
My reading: 6:38
